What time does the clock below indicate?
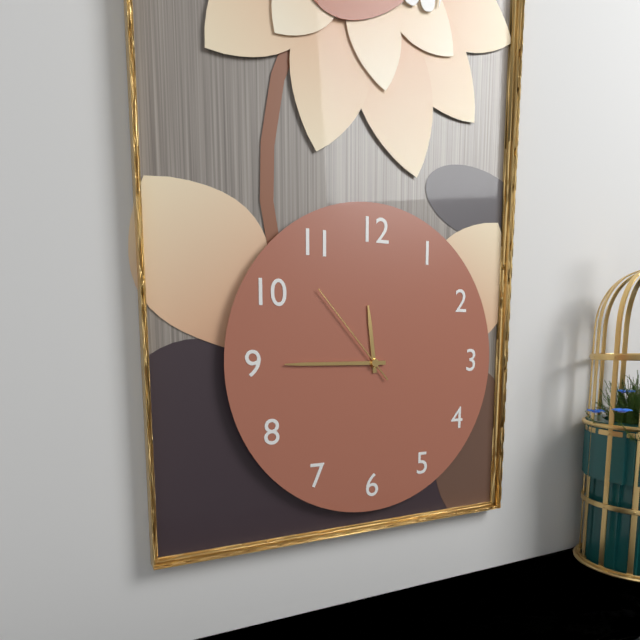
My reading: 11:45:53
